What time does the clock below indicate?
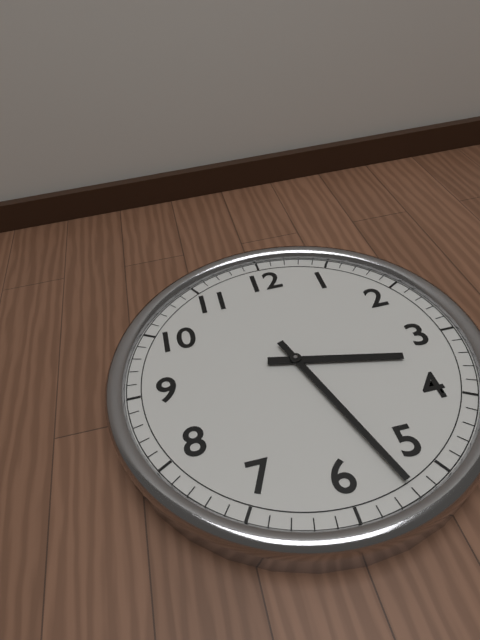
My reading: 3:27
